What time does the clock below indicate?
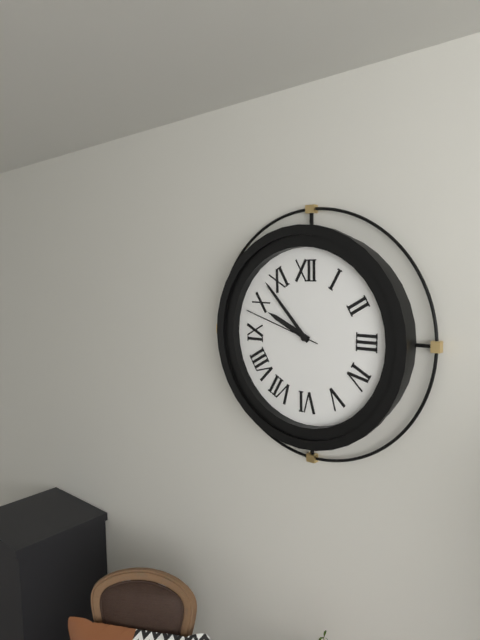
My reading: 9:53:48
